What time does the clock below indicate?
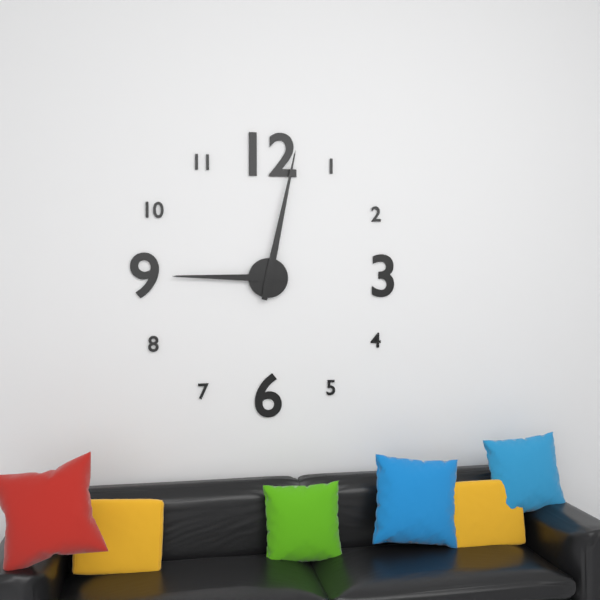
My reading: 9:02
